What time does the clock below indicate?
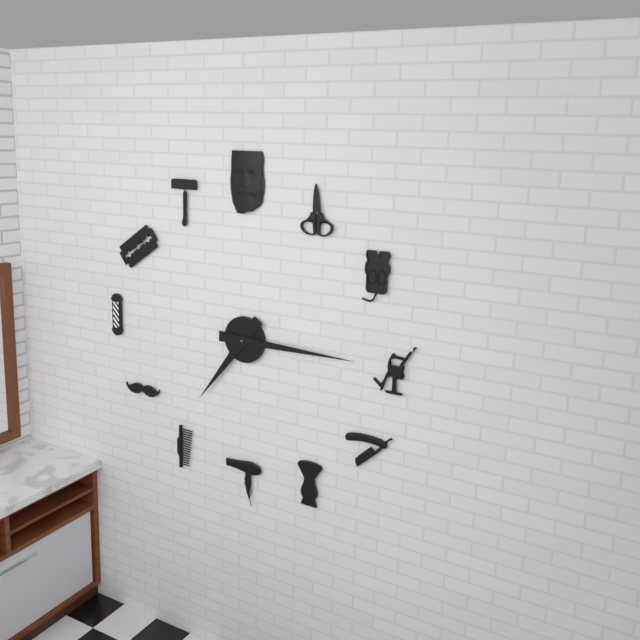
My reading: 7:15
